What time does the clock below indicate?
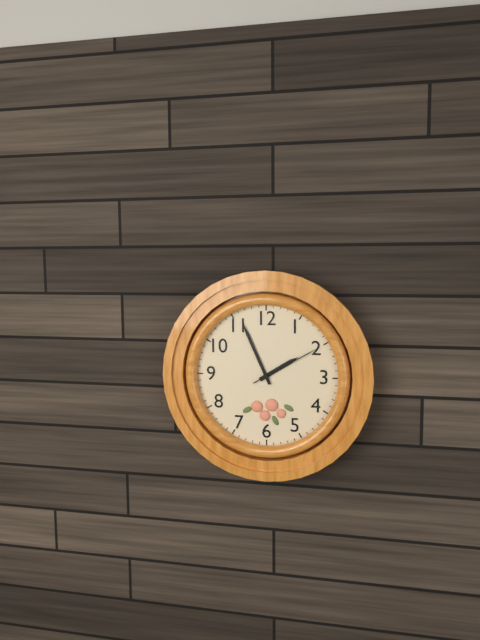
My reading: 1:56:10
